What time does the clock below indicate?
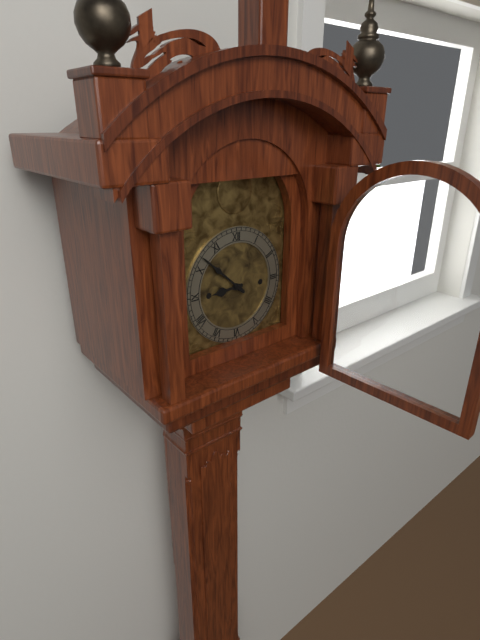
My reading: 8:52
